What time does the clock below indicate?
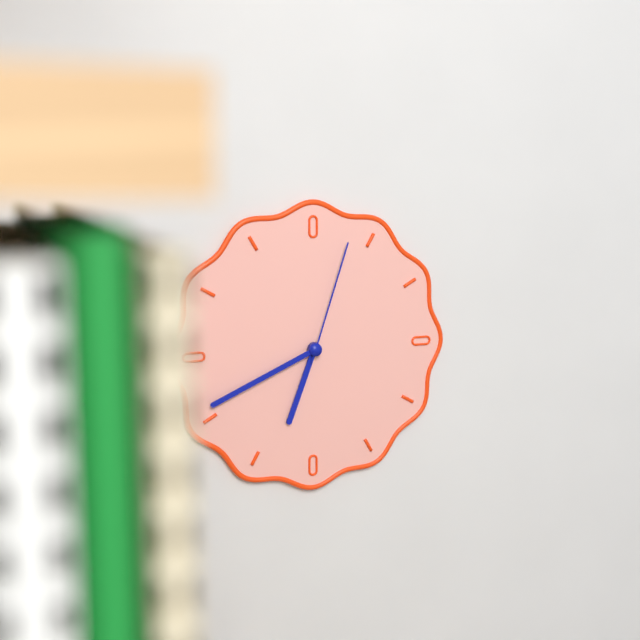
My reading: 6:41:03
